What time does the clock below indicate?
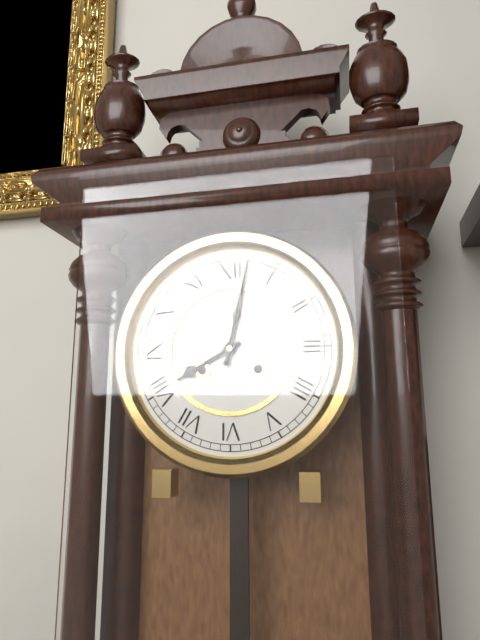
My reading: 8:02
